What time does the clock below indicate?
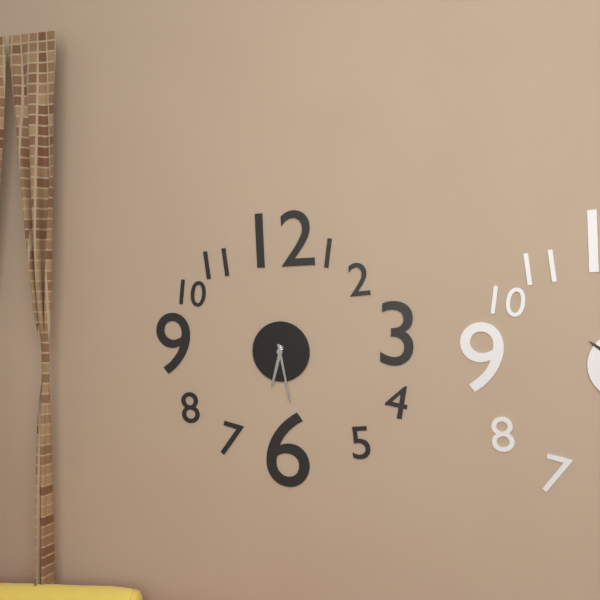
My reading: 6:28
